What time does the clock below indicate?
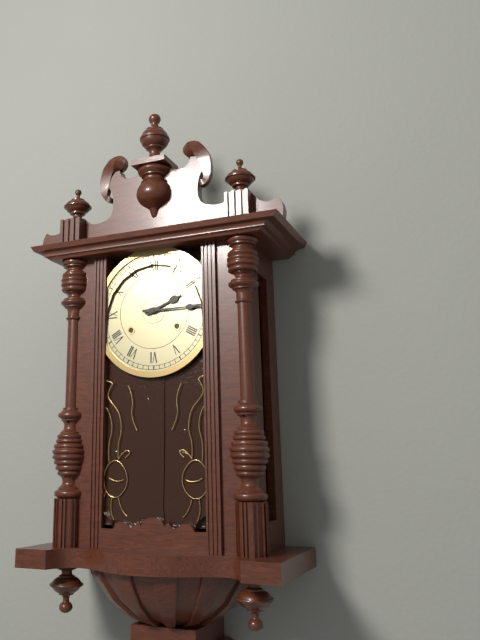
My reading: 2:15
